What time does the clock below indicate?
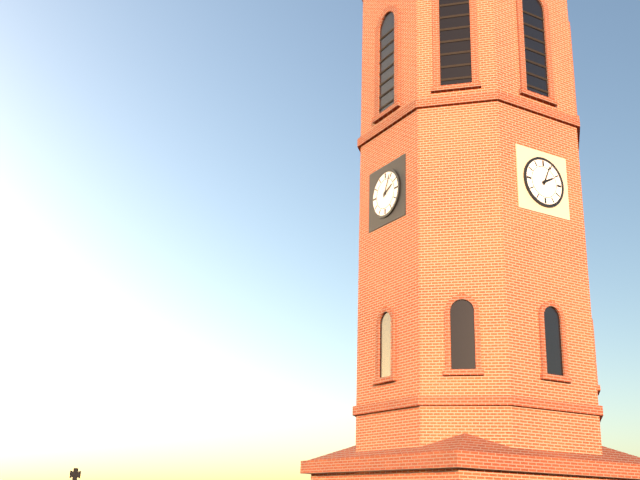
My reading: 2:04
